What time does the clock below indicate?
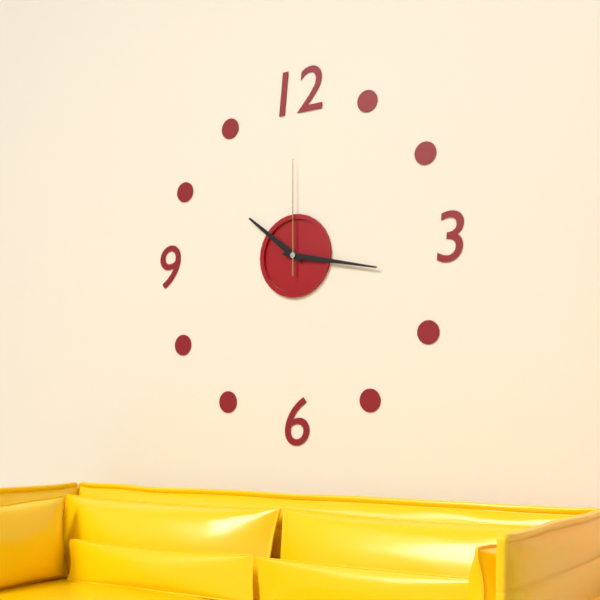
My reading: 10:17:00
